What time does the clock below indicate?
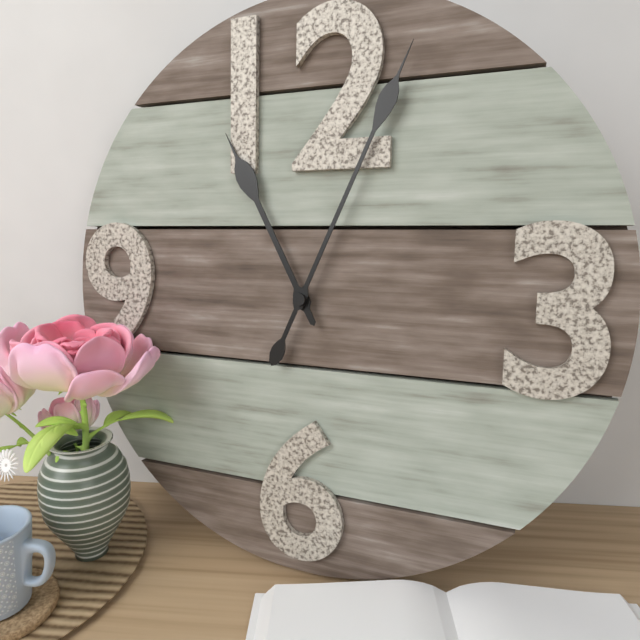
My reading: 11:04
